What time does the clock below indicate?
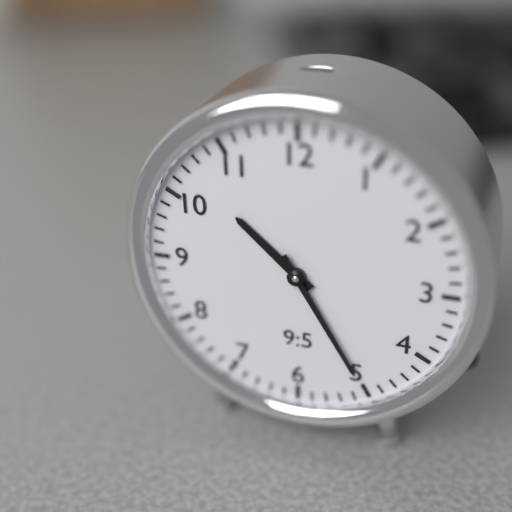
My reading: 10:25
